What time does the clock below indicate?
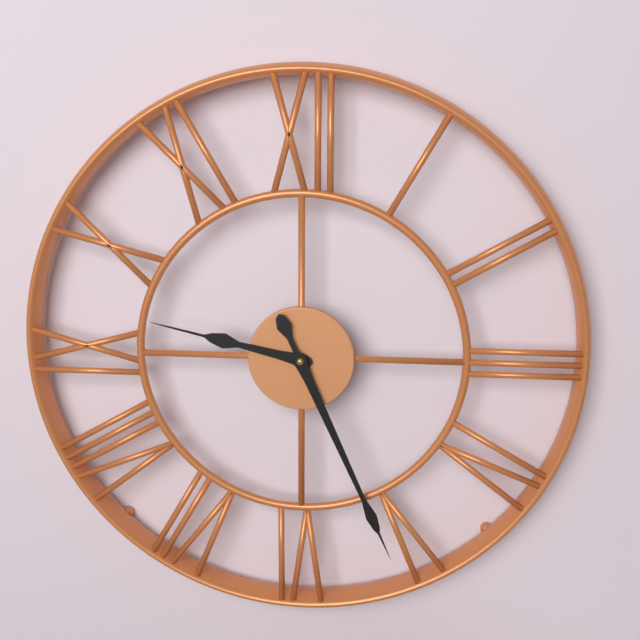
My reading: 9:26
